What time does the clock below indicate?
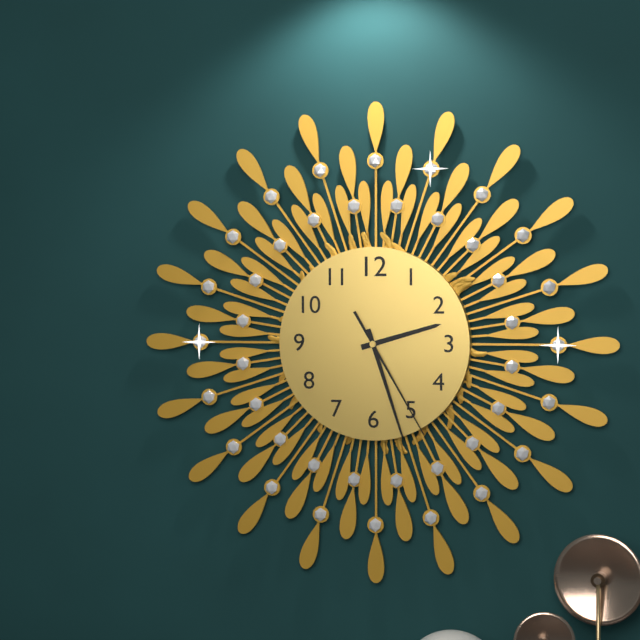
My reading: 2:27:25
